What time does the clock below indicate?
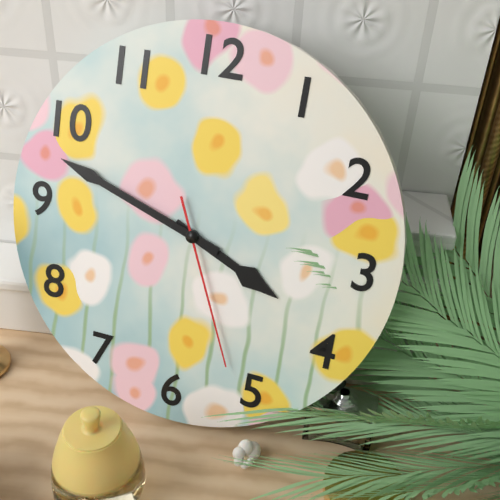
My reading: 3:48:26
